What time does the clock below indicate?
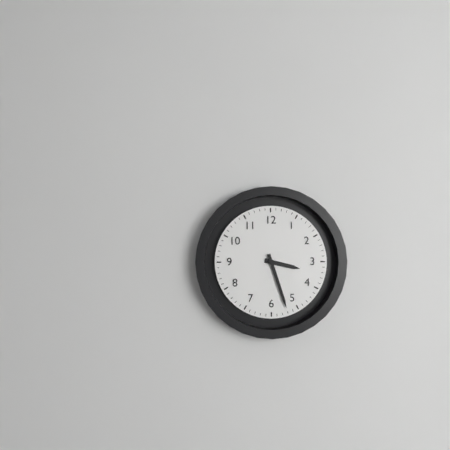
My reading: 3:27
